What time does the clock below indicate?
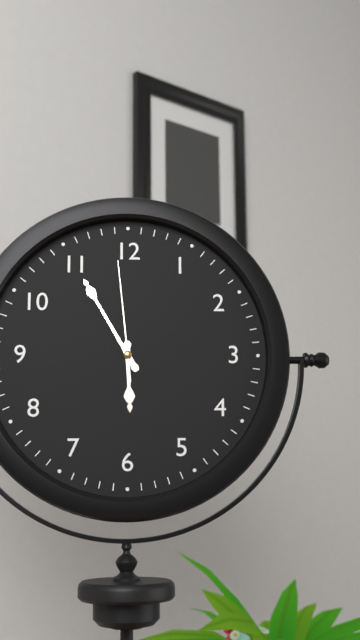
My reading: 5:55:59
